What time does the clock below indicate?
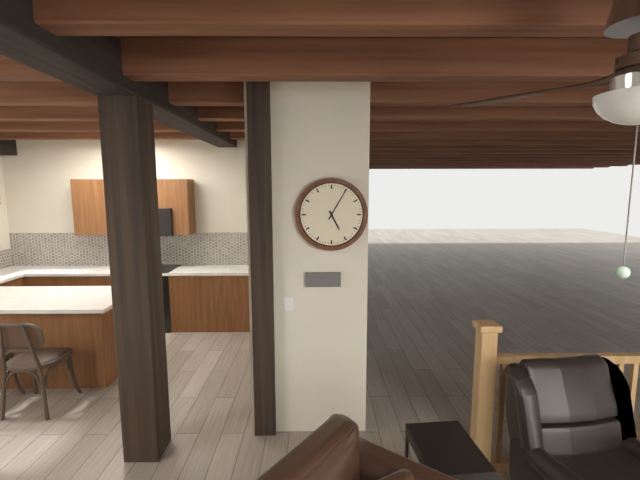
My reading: 5:05
